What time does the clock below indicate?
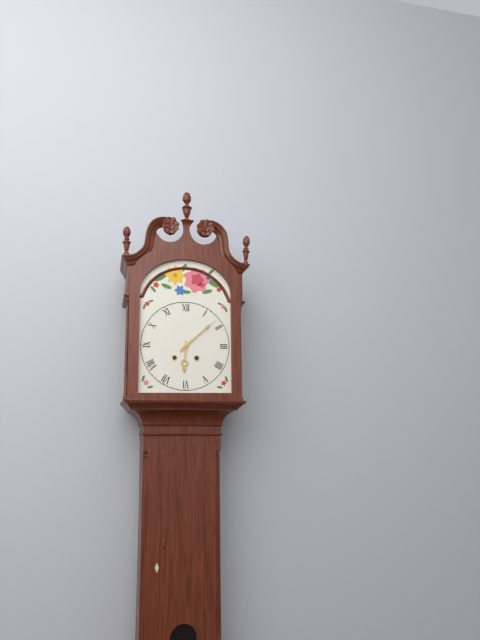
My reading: 6:08
